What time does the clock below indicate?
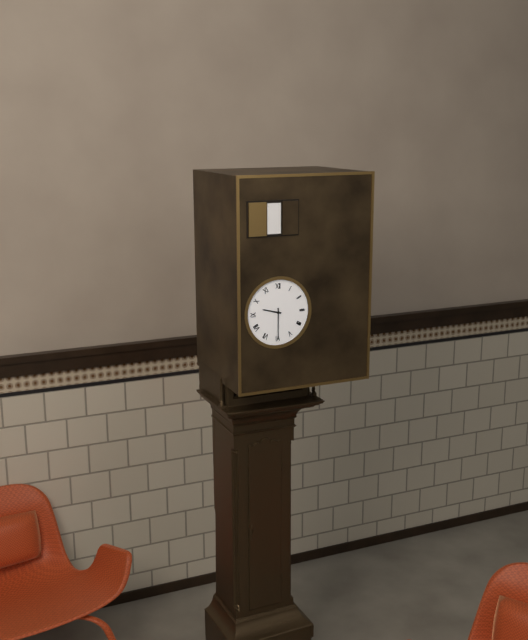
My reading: 9:30
